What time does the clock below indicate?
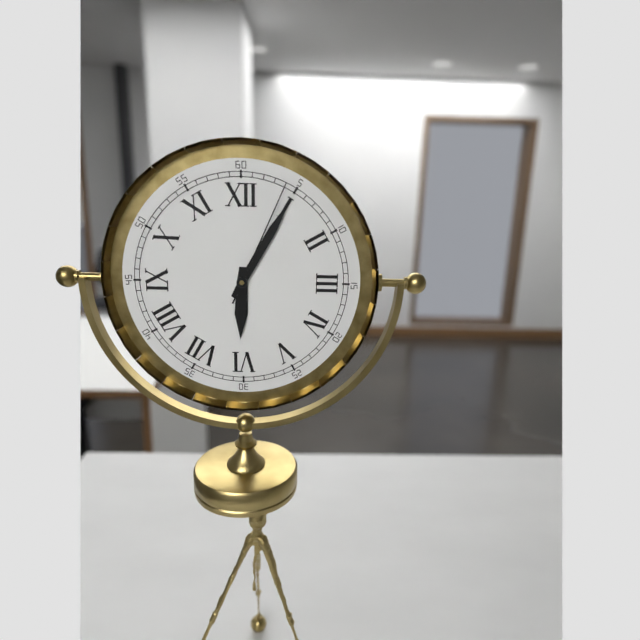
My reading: 6:05:04
